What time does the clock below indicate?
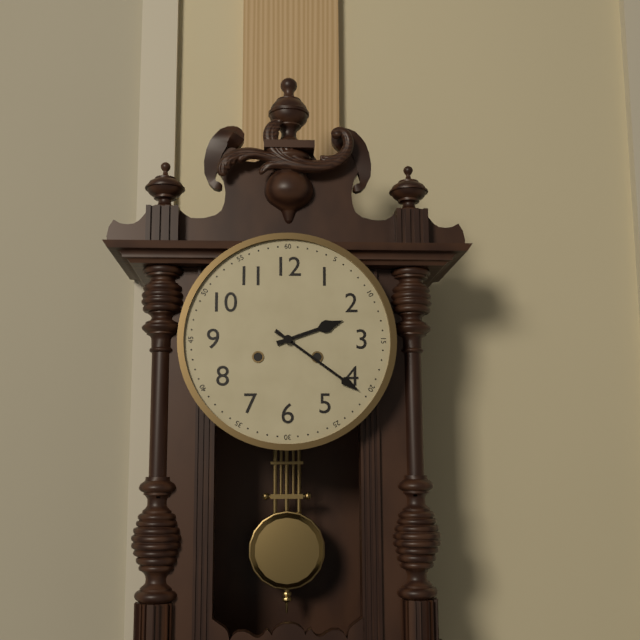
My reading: 2:21
